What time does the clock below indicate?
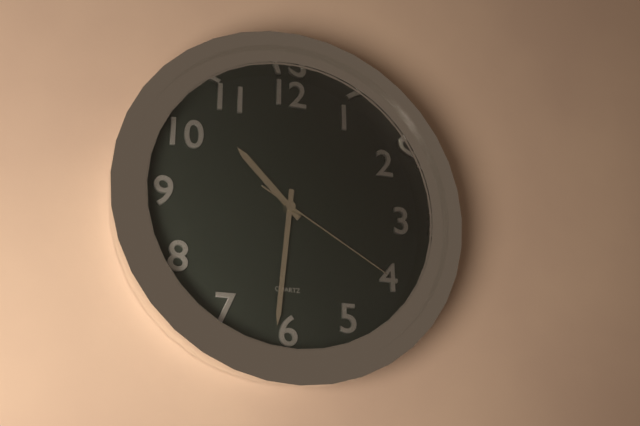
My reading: 10:31:20
